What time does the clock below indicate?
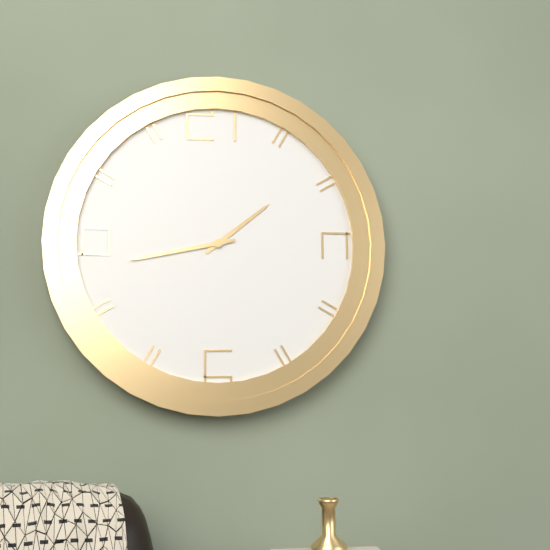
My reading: 1:43
